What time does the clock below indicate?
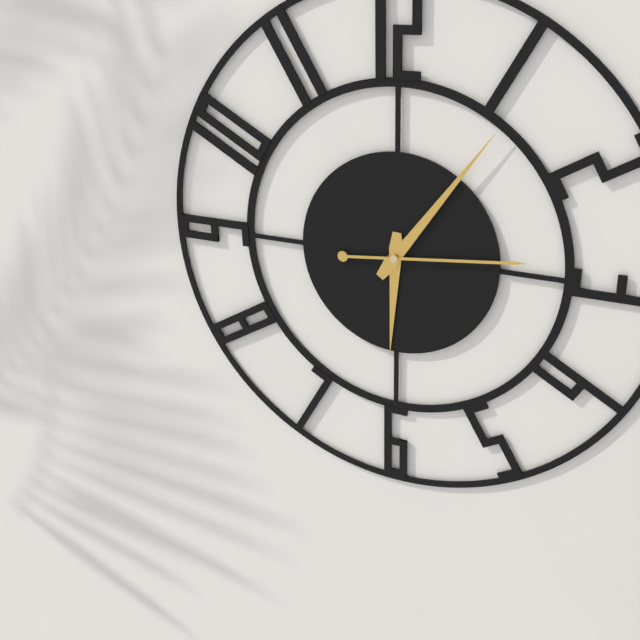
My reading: 6:06:14
